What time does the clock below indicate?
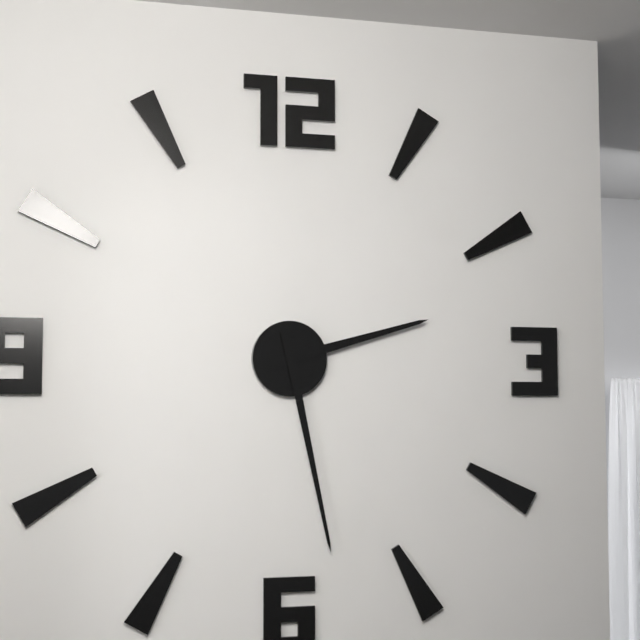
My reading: 2:28
